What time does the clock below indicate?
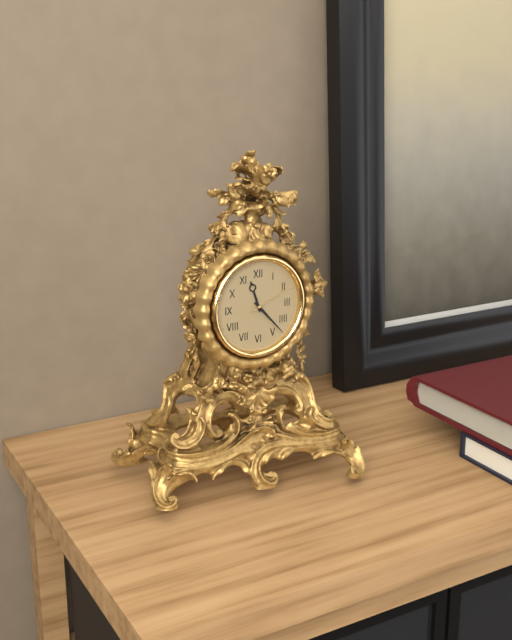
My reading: 11:23:11
